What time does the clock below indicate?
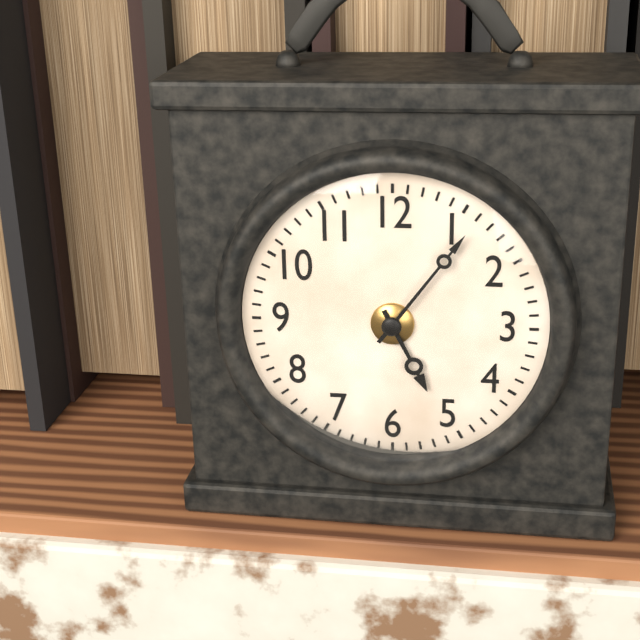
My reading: 5:06
